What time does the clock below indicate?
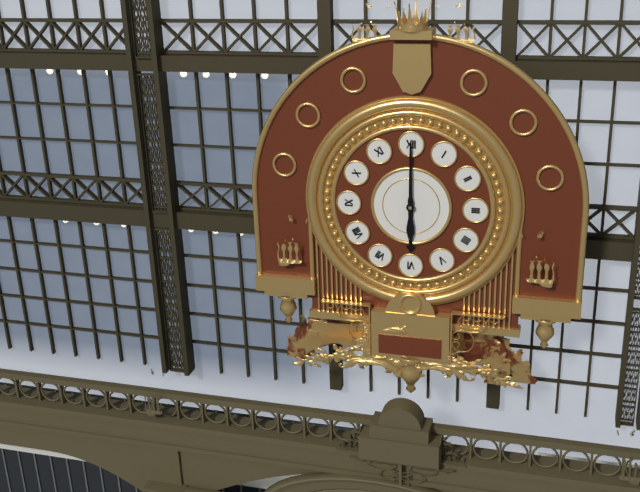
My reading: 6:00
